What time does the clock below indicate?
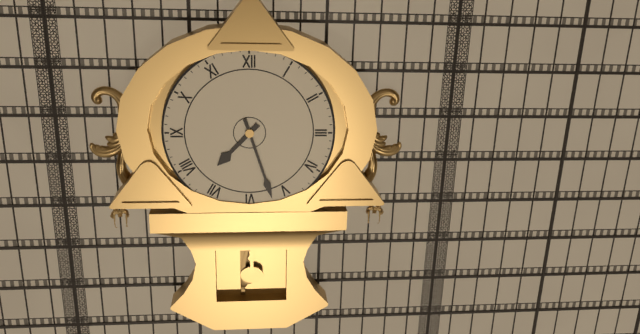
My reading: 7:27
